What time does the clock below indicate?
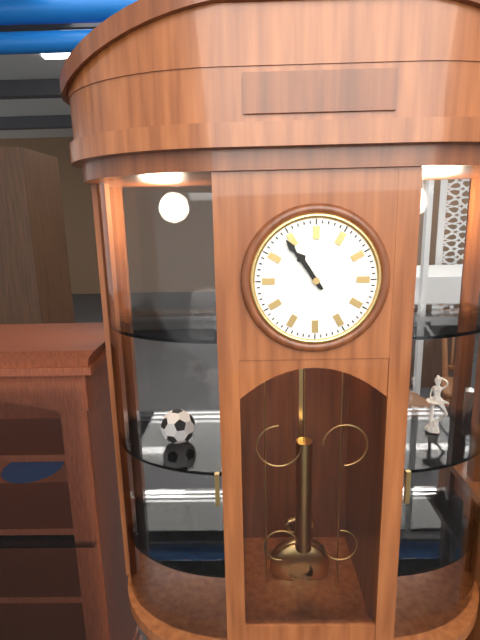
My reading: 10:54
